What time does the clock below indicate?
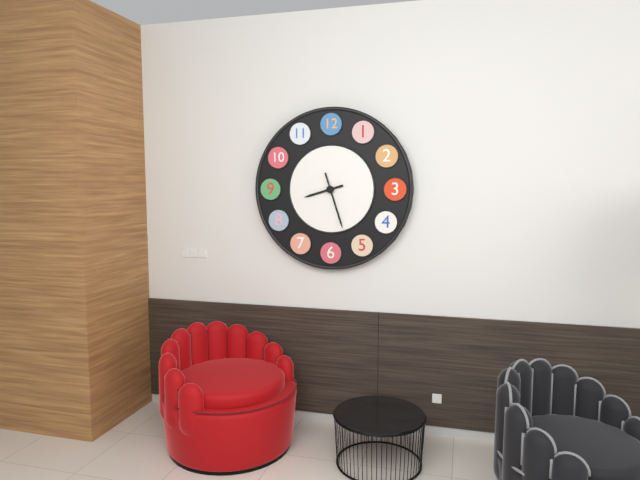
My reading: 8:27
